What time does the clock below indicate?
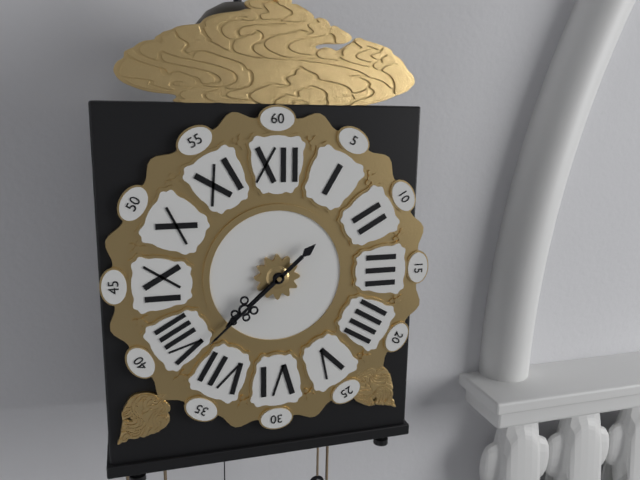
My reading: 7:38
